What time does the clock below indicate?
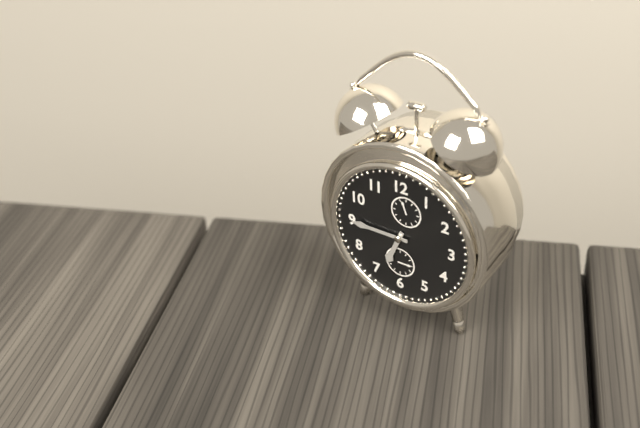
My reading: 6:45
